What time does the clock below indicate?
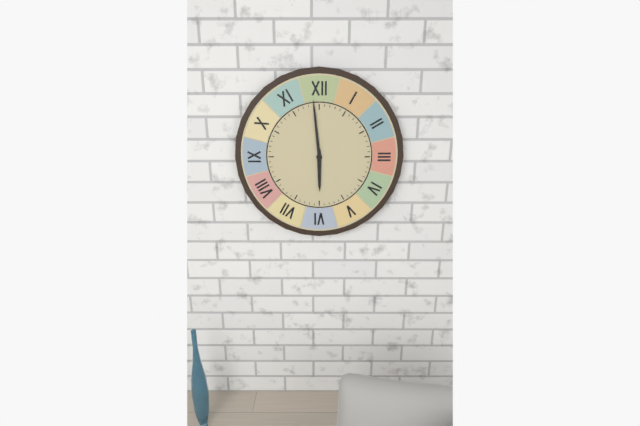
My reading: 5:59
